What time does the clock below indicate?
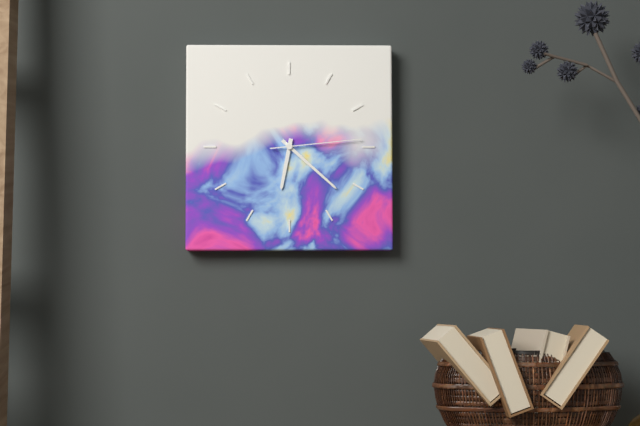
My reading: 6:22:14
